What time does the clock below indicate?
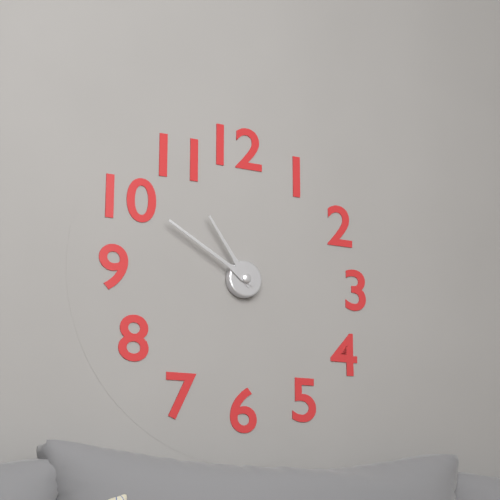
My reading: 10:50
